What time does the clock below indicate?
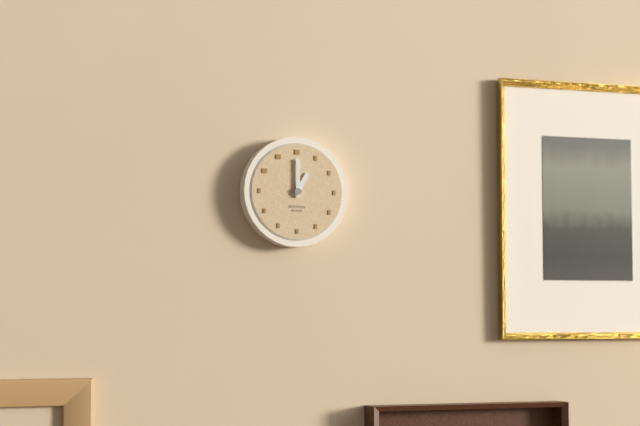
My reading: 1:00
